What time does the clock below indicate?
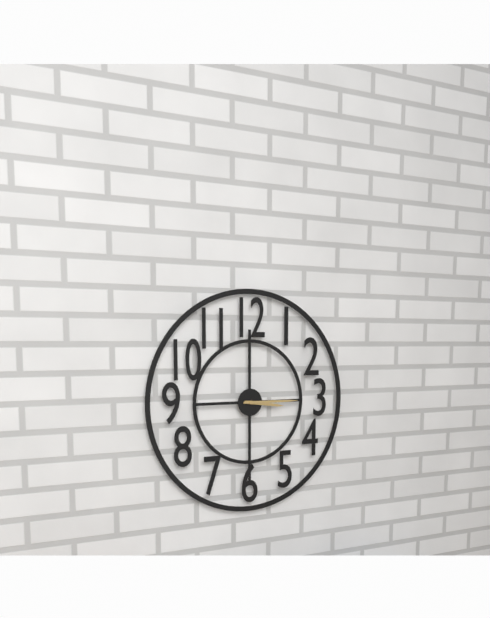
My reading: 3:15
